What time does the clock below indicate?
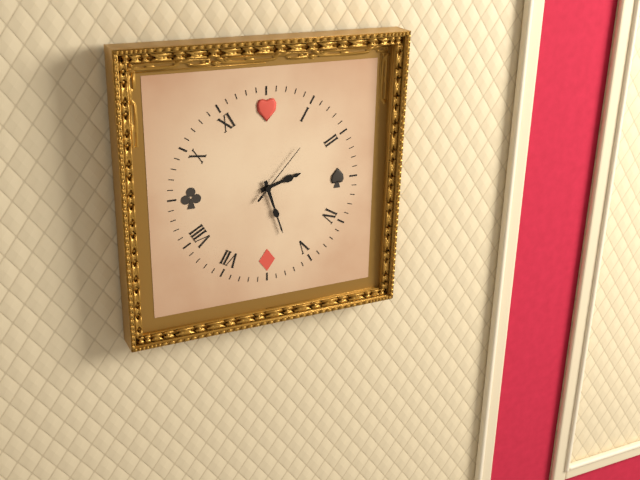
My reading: 2:27:07
